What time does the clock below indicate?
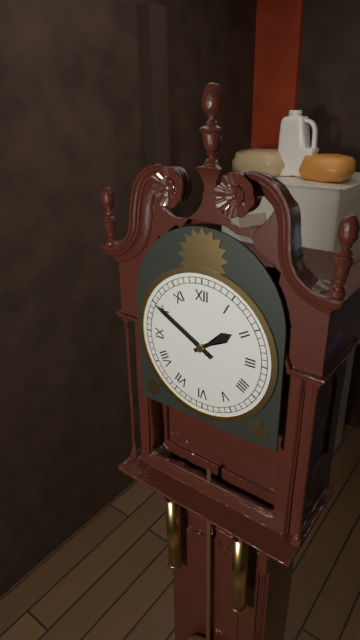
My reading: 1:50
